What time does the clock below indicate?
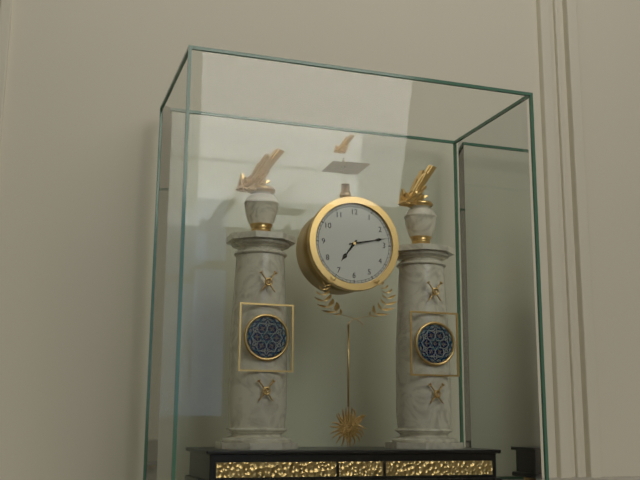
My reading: 7:13
